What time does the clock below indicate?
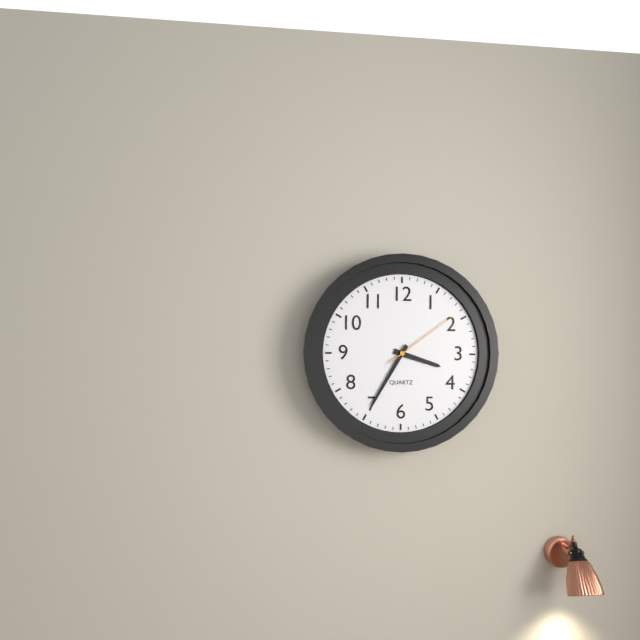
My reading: 3:35:09
